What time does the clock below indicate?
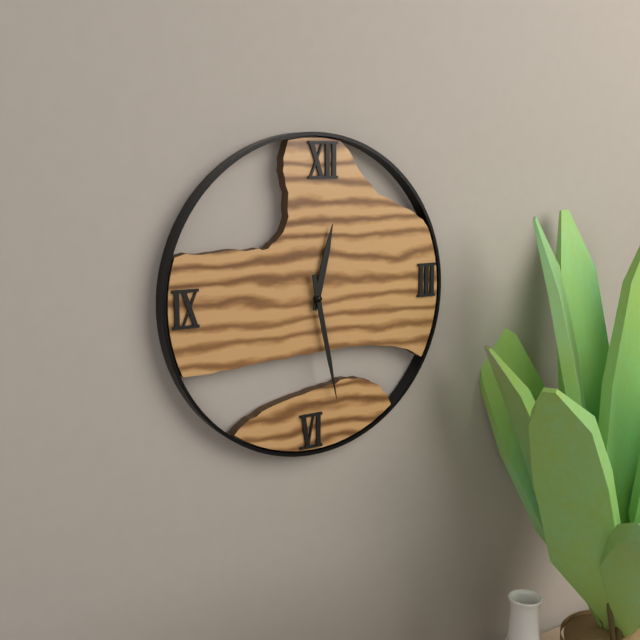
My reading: 12:28
